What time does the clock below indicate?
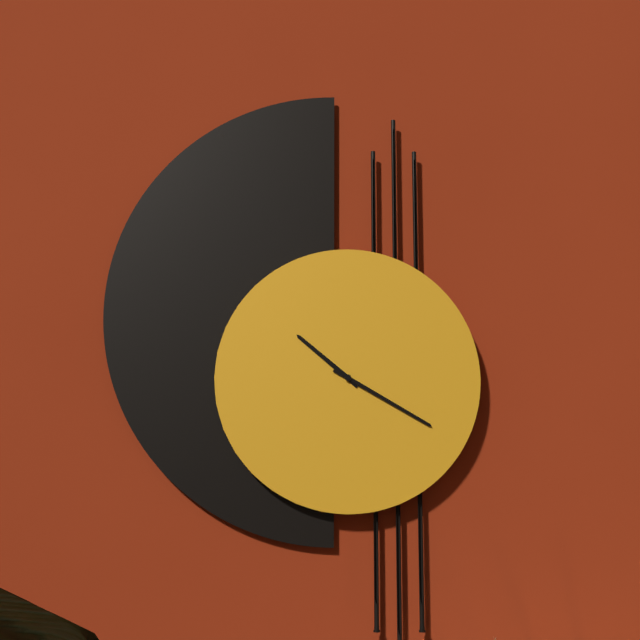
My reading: 10:20
